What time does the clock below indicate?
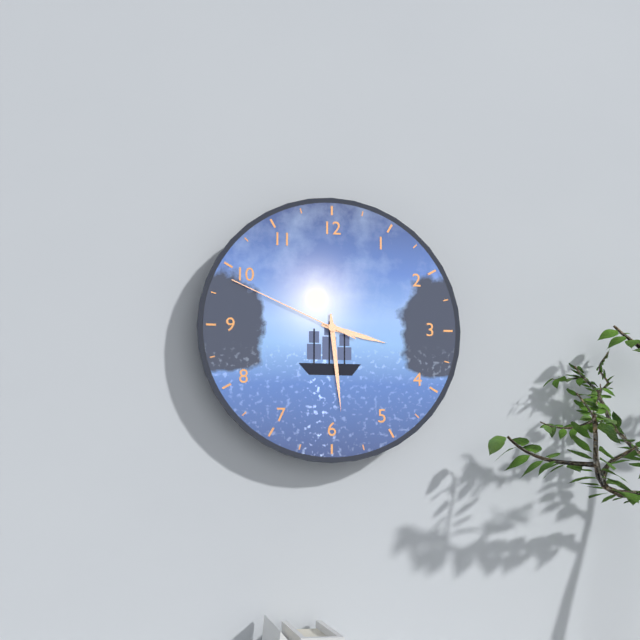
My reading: 3:29:49
